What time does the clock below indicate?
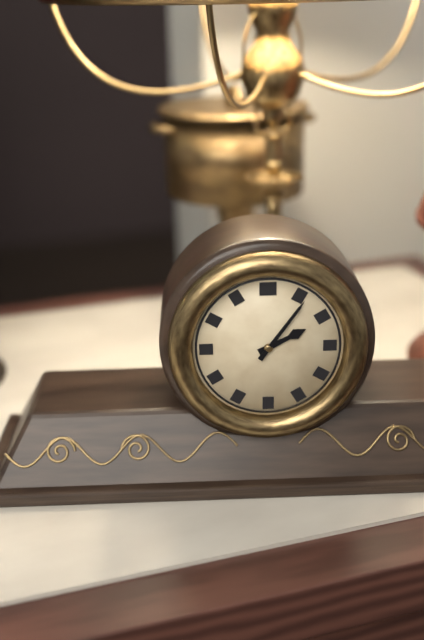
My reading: 2:06
